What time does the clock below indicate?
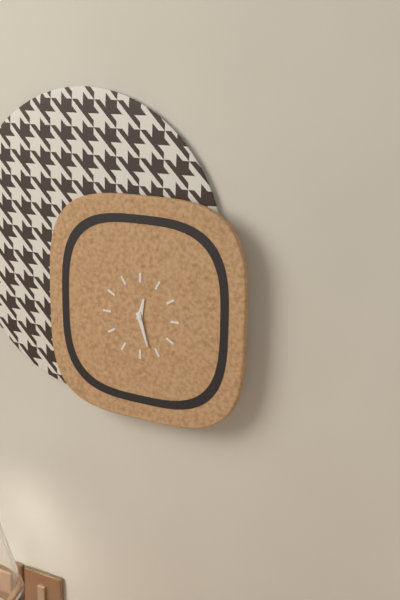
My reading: 12:27
